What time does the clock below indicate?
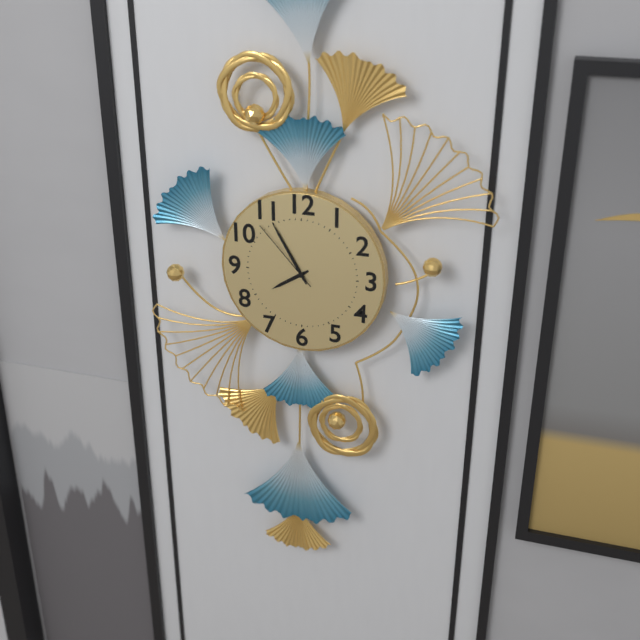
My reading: 7:55:53
